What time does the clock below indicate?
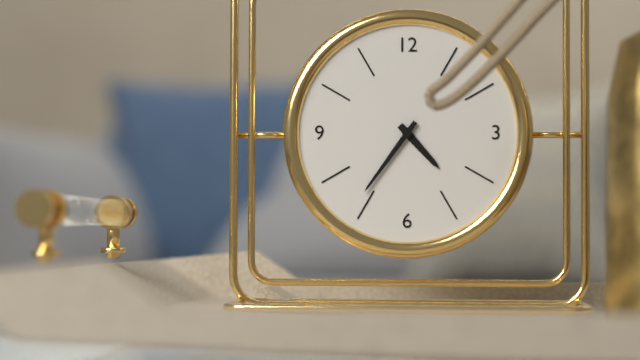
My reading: 4:36
